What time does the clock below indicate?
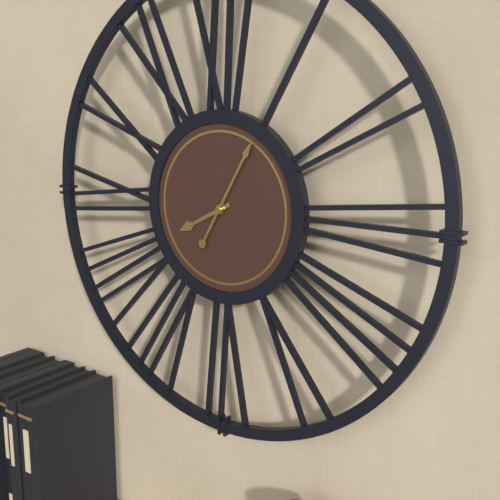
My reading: 8:05
